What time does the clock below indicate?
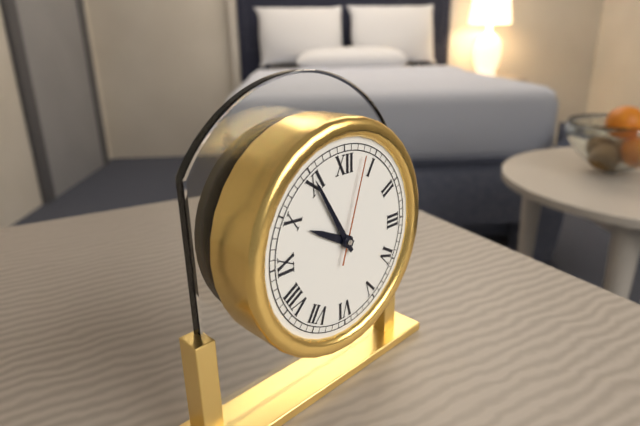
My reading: 9:55:03
